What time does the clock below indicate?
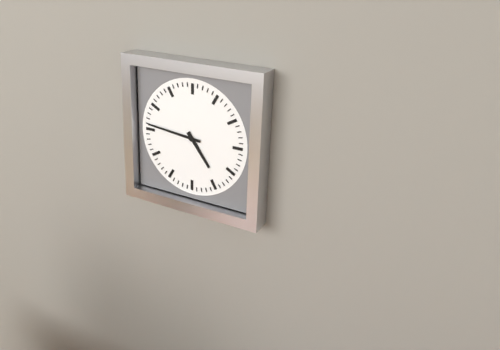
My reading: 4:46
